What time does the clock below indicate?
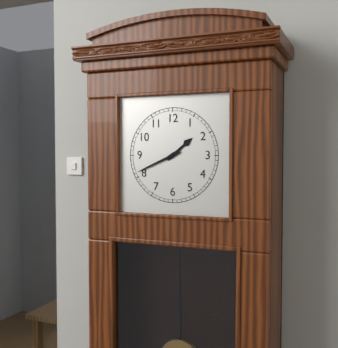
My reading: 1:41
